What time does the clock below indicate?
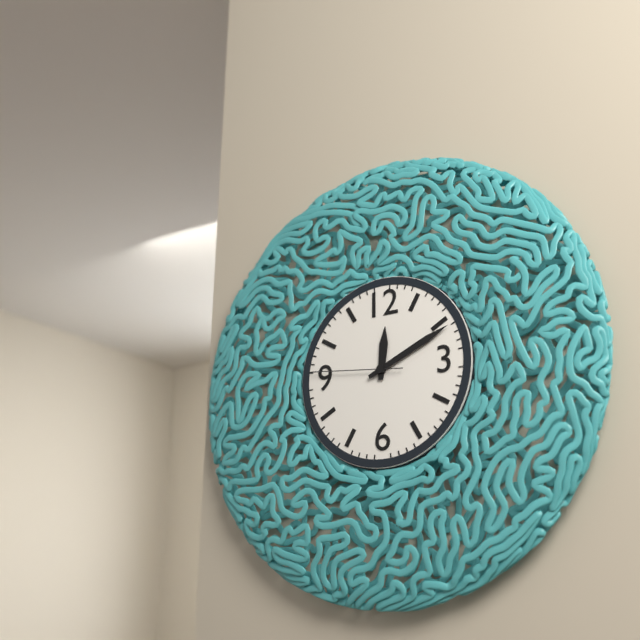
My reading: 12:11:46
